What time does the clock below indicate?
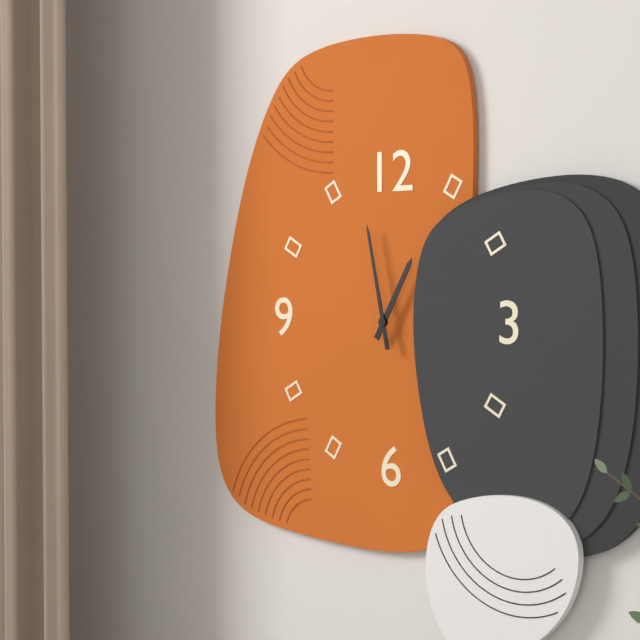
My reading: 12:58
